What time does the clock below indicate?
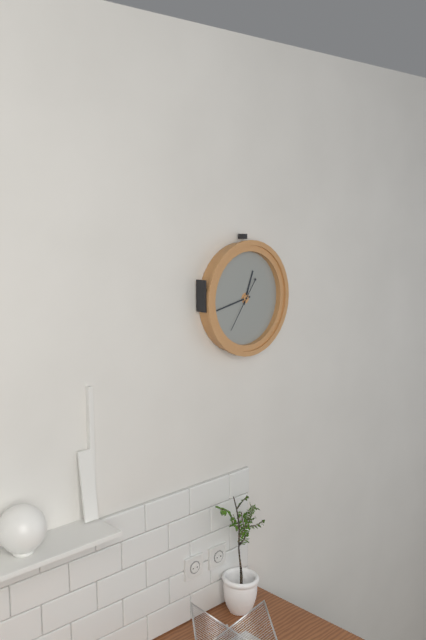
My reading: 12:43
